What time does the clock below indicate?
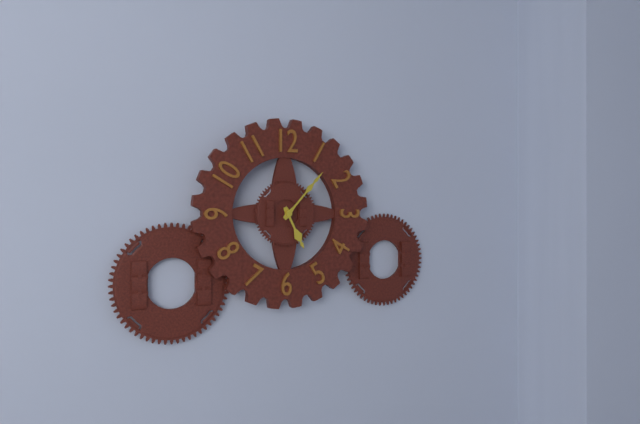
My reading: 5:07
